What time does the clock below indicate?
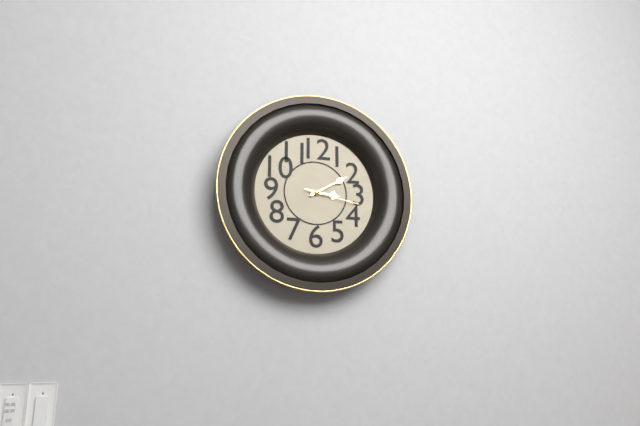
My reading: 3:10:17
